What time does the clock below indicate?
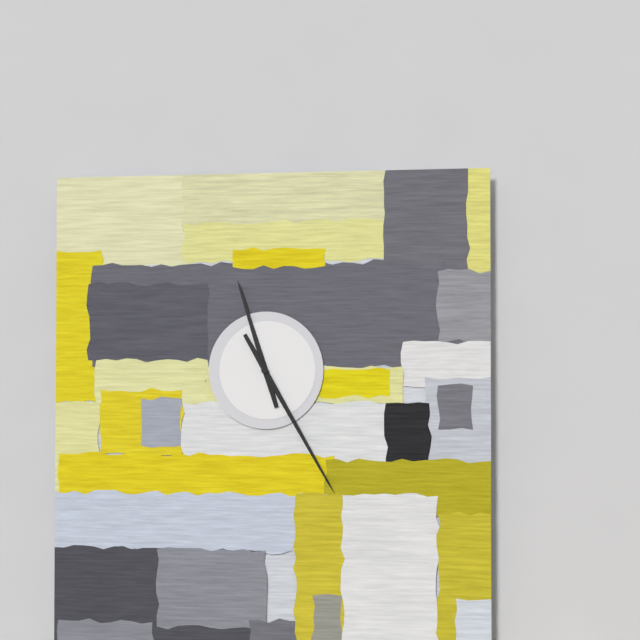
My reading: 11:25
